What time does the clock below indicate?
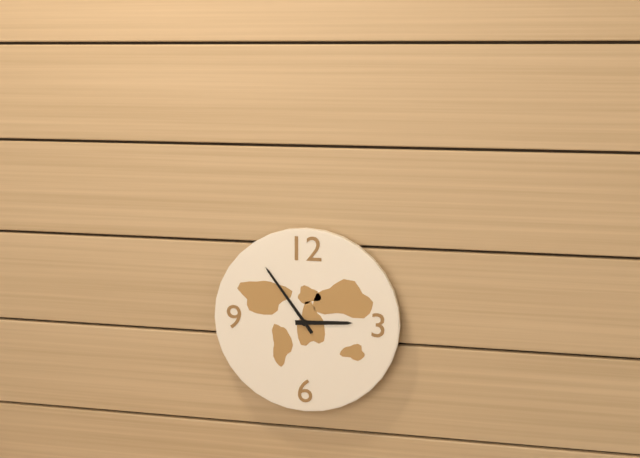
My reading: 2:54
